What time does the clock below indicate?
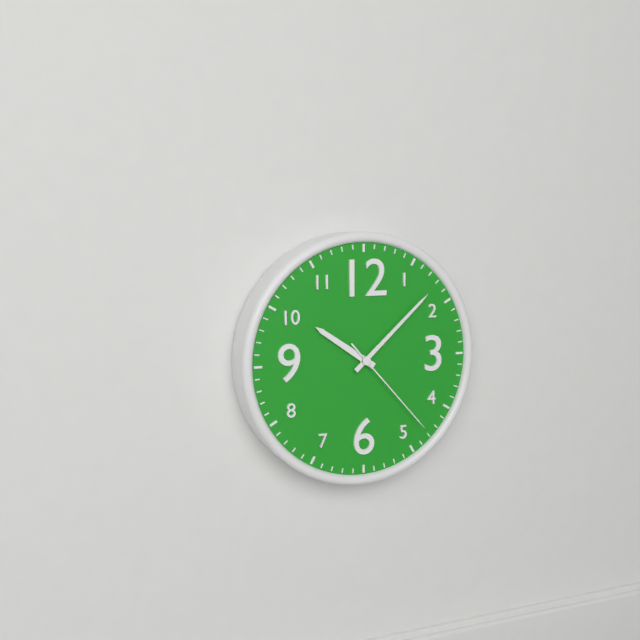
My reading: 10:08:23
